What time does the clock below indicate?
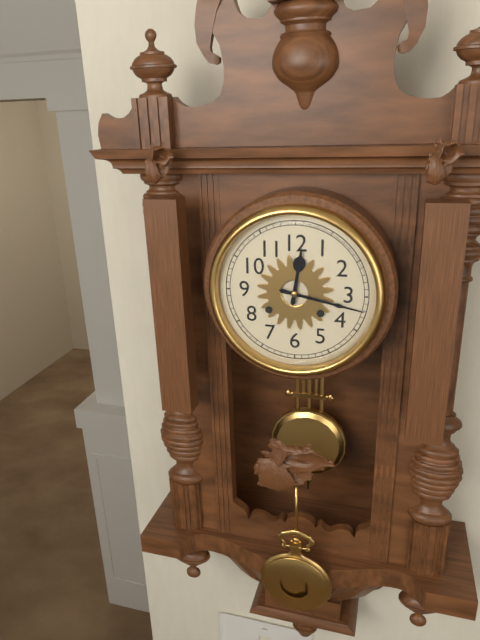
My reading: 12:17
